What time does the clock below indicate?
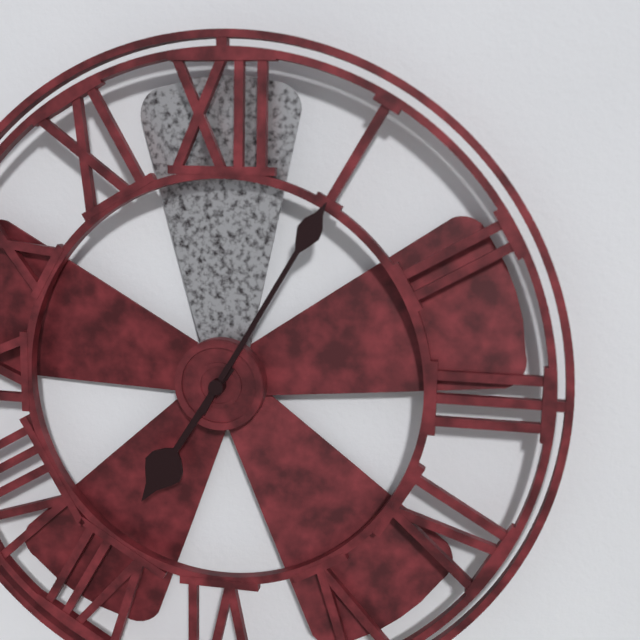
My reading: 7:05
